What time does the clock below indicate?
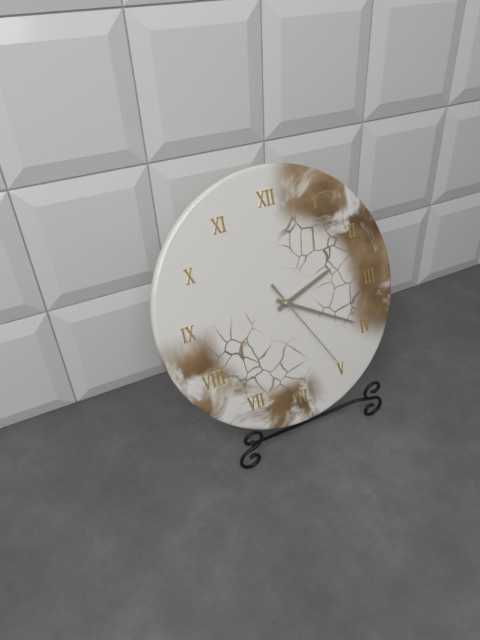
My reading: 2:20:25
